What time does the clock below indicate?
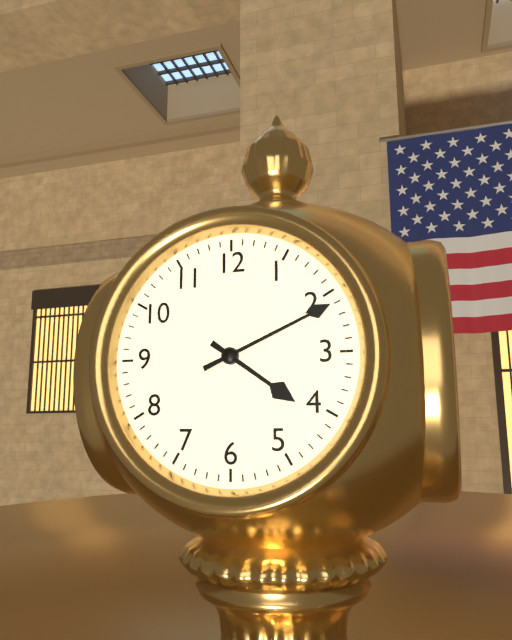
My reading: 4:11
